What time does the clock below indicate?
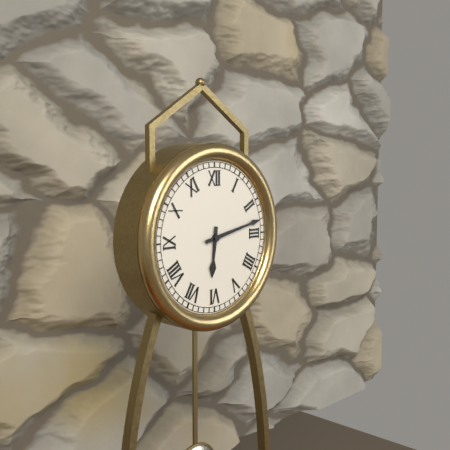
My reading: 6:13
